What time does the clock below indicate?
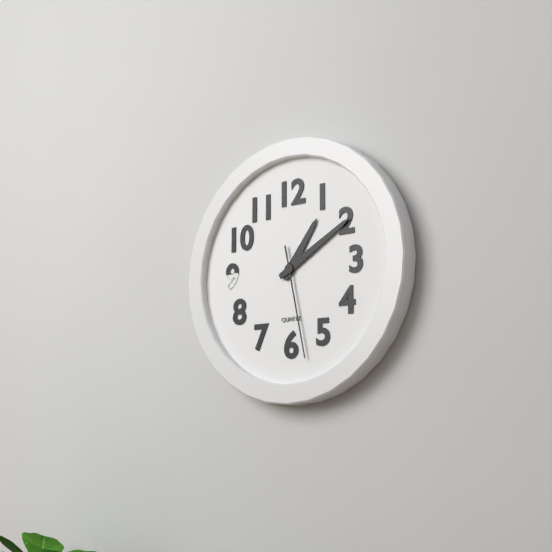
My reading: 1:10:28
